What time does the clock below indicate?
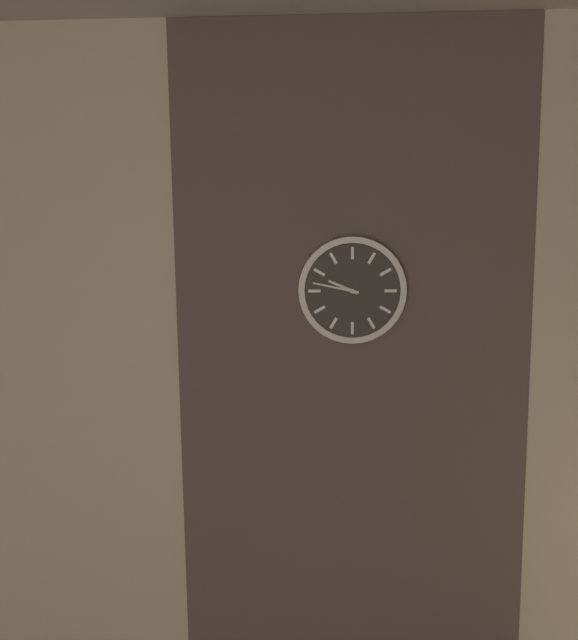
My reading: 9:47
